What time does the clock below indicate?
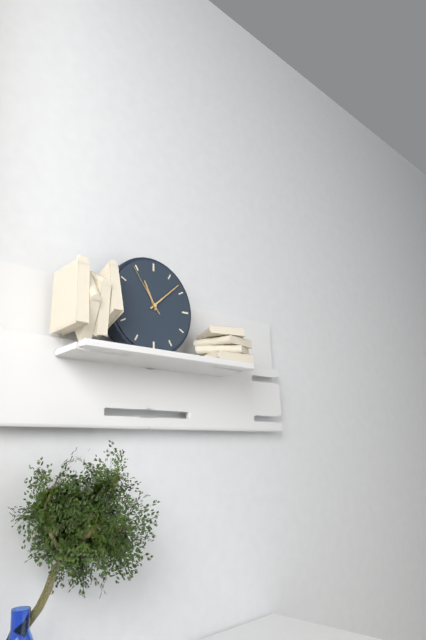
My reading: 11:08:54
